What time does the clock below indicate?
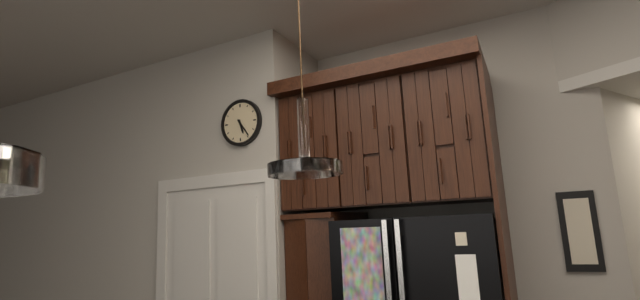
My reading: 5:24
